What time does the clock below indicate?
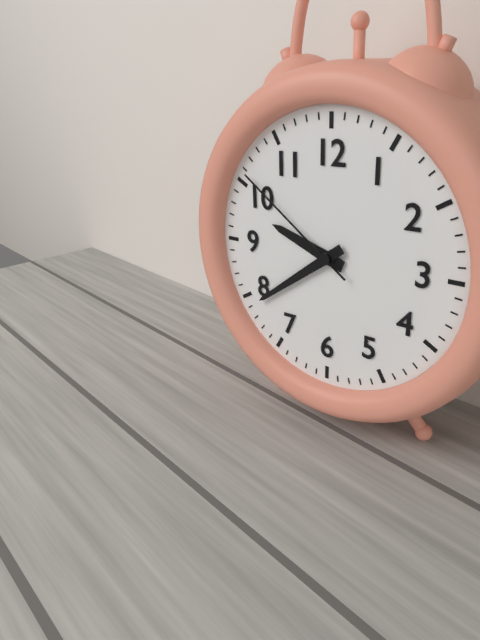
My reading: 9:39:51
